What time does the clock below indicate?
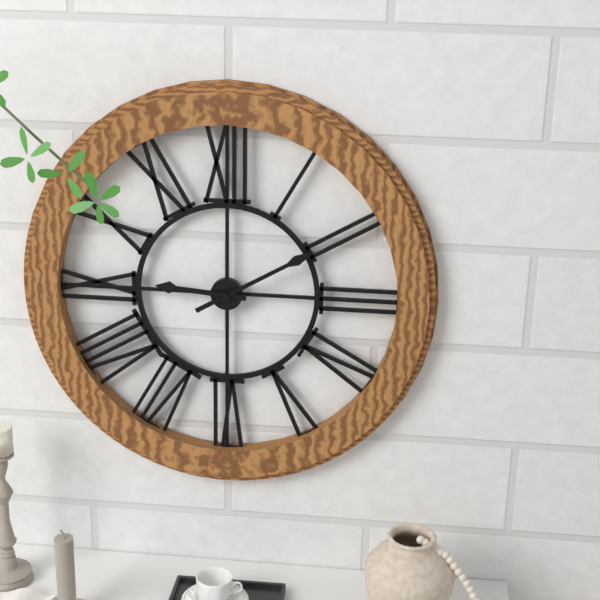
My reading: 9:10
